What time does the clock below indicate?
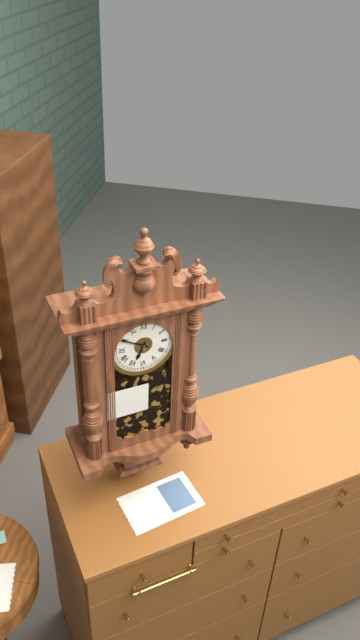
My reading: 6:50
